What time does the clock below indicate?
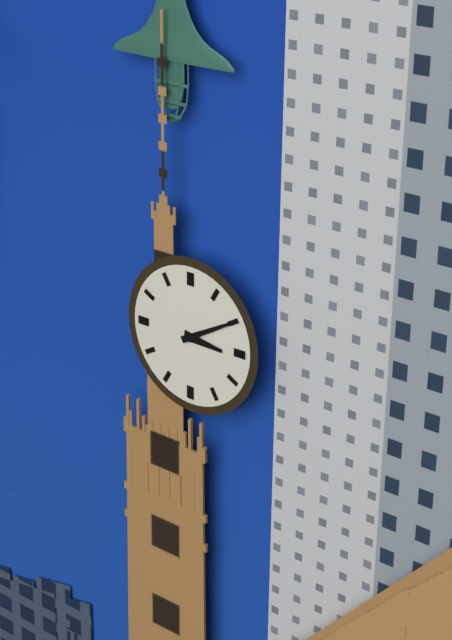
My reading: 3:10
